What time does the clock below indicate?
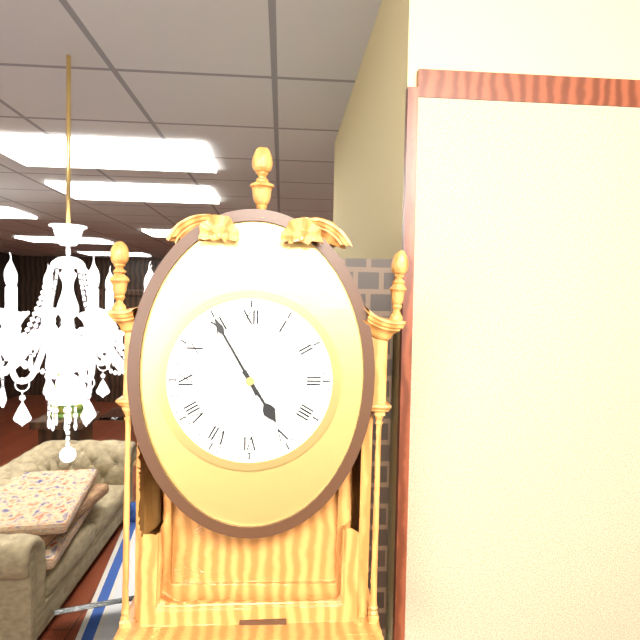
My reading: 4:55
